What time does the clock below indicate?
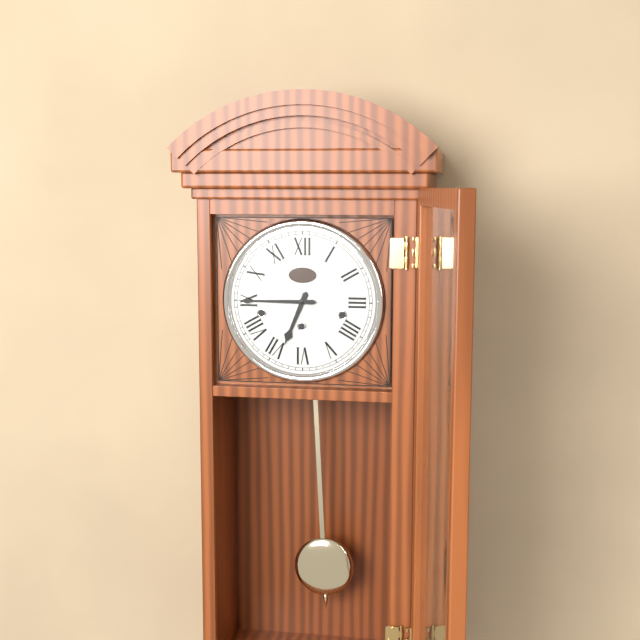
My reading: 6:45
